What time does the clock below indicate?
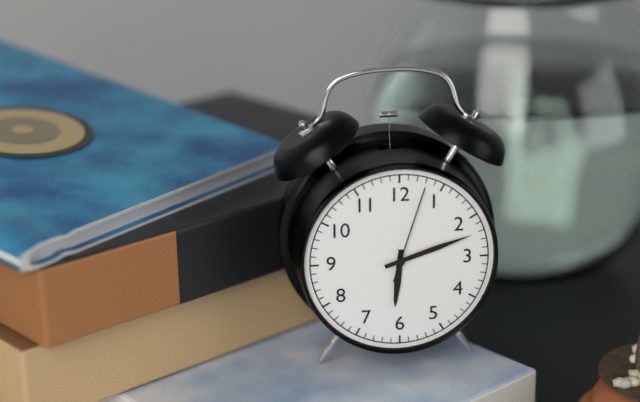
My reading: 6:12:03
